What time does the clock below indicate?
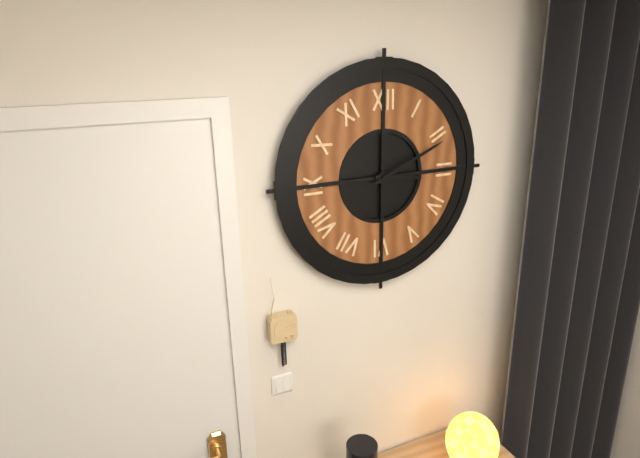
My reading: 3:11
